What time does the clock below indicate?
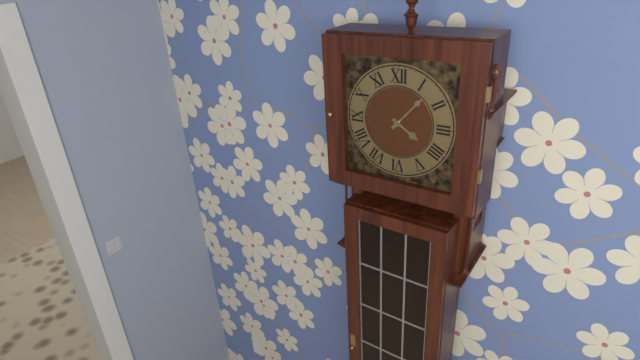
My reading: 4:07
